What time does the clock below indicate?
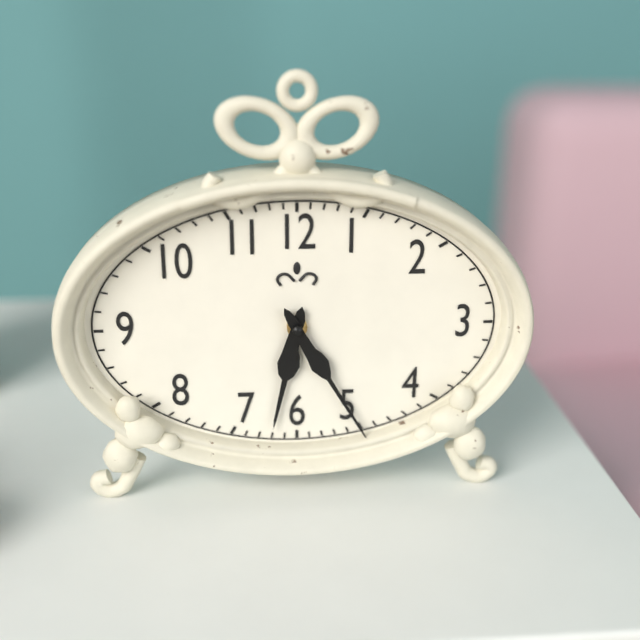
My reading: 6:25
